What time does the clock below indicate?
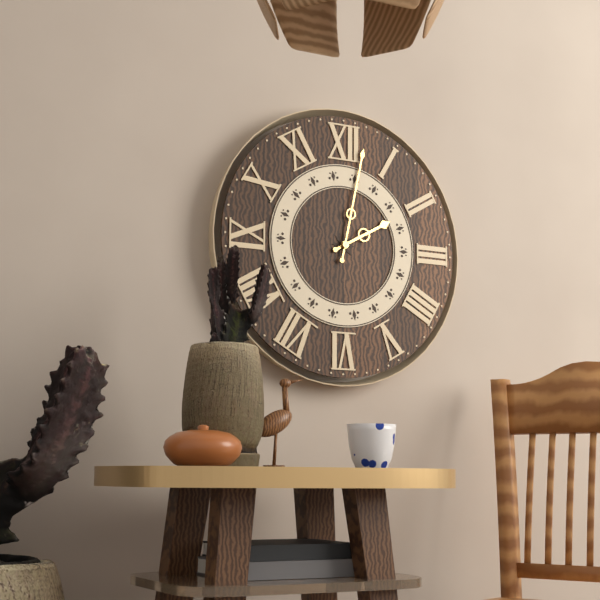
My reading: 2:02
